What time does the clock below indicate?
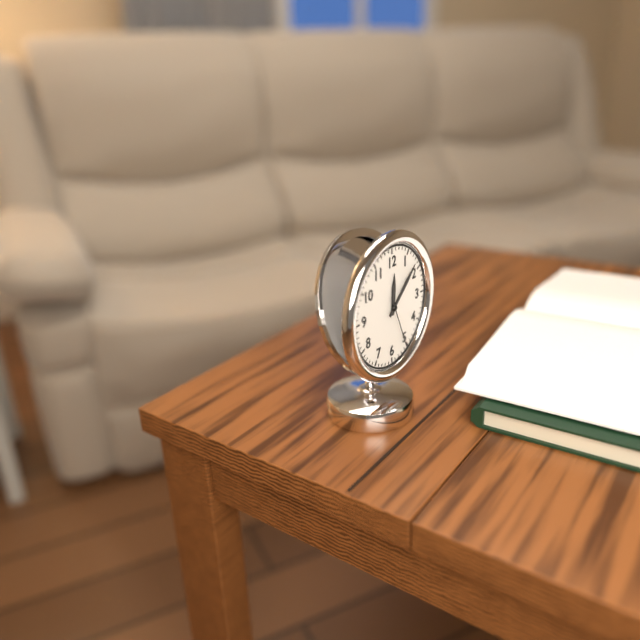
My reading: 12:08:26
